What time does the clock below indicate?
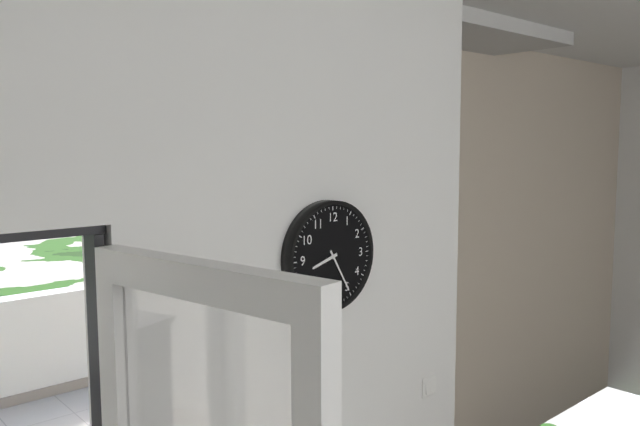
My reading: 8:25
